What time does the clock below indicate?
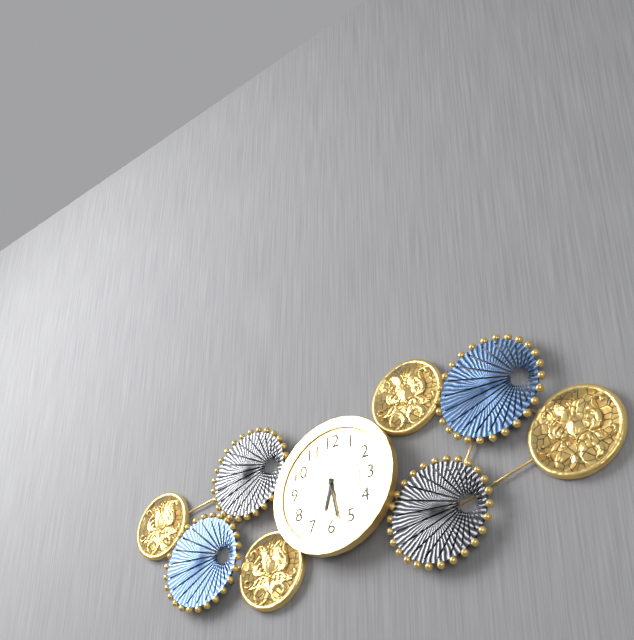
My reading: 6:28
